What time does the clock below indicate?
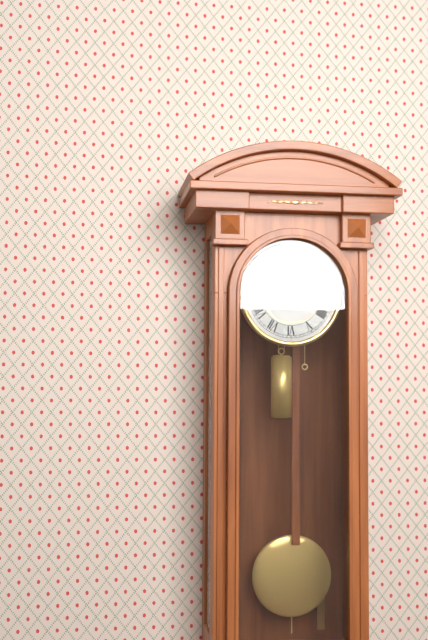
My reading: 12:10
